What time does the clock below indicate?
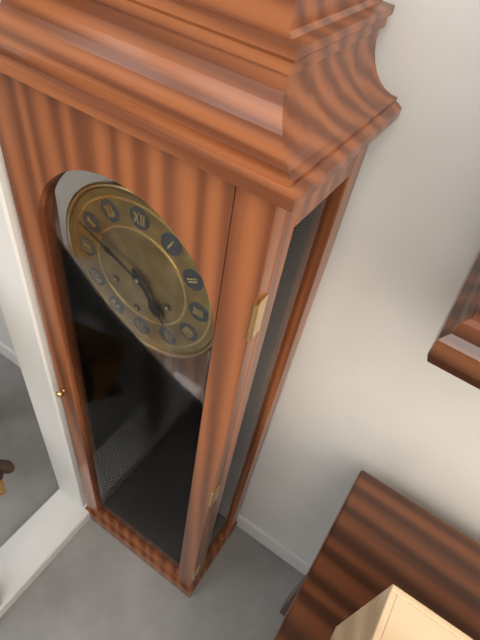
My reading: 4:49
